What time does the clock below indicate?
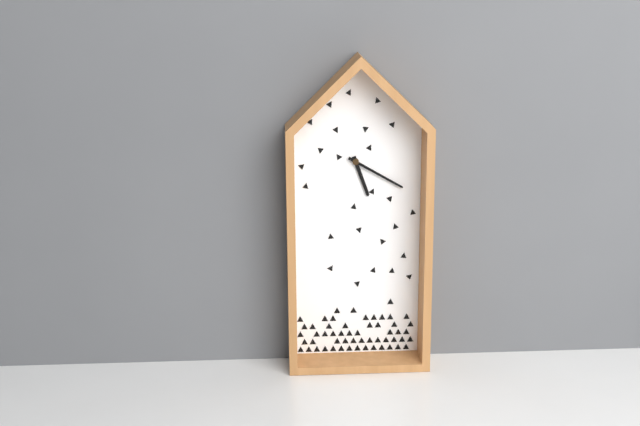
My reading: 5:20
